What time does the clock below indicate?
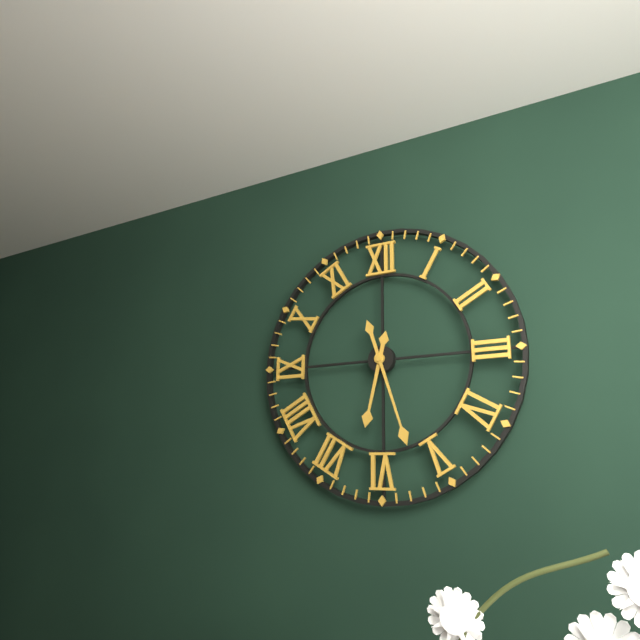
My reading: 6:27
